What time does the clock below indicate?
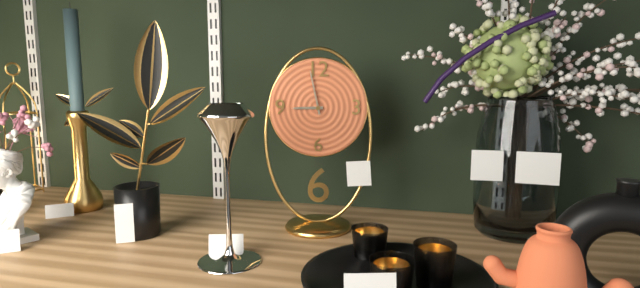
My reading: 8:58
